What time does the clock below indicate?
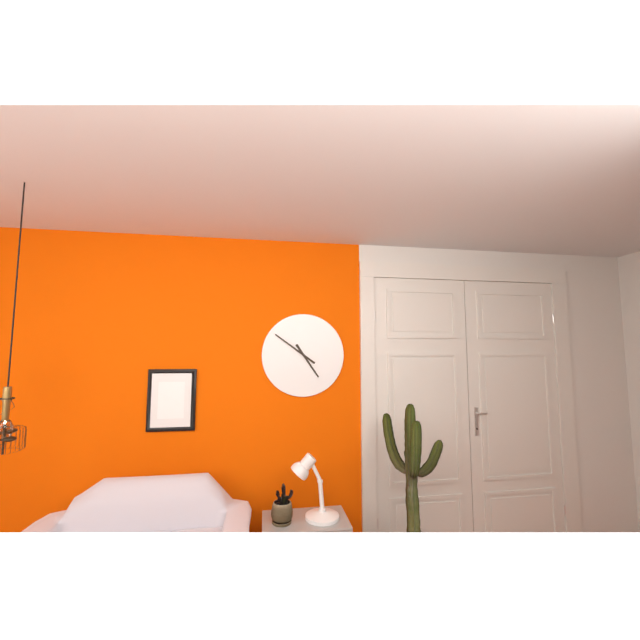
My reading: 4:51
